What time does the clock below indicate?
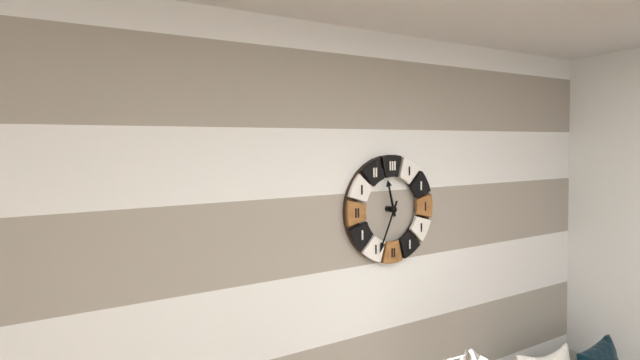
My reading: 11:34
